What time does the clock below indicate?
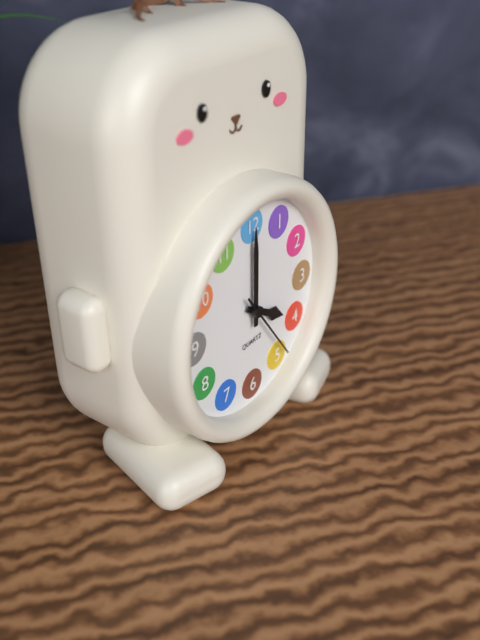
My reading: 4:00:24
